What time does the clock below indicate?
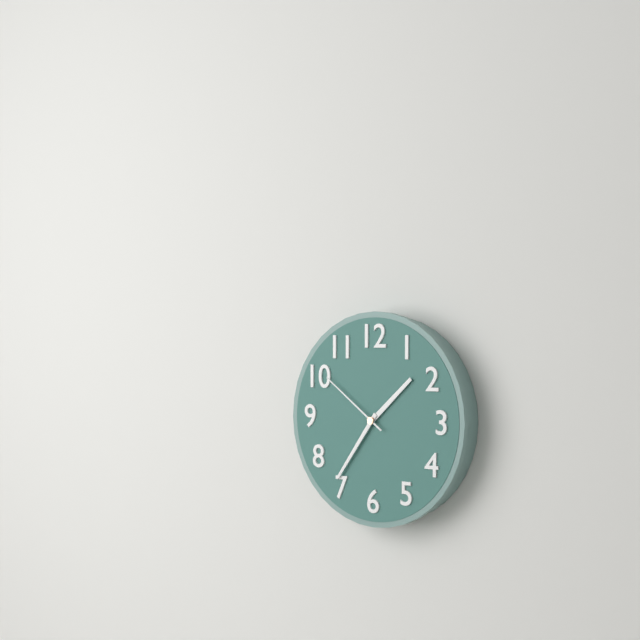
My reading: 1:36:51
